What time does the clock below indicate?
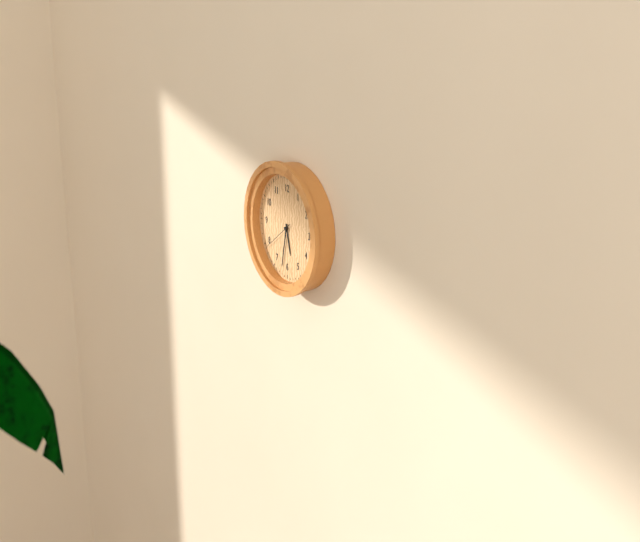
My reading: 5:32
